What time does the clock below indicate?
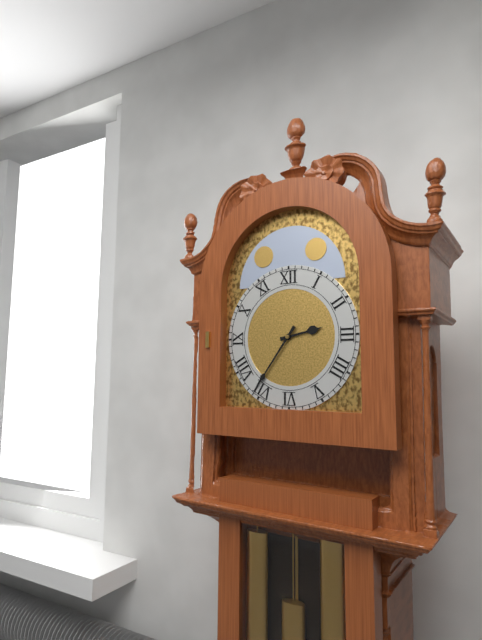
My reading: 2:36
